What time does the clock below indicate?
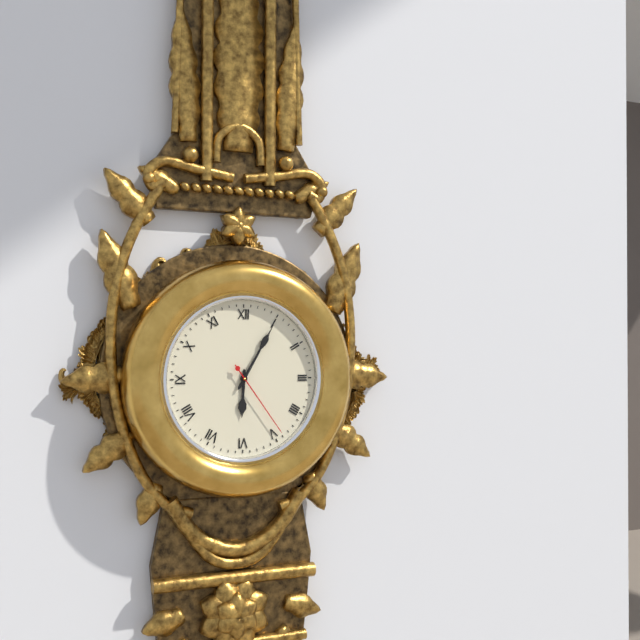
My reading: 6:05:24
